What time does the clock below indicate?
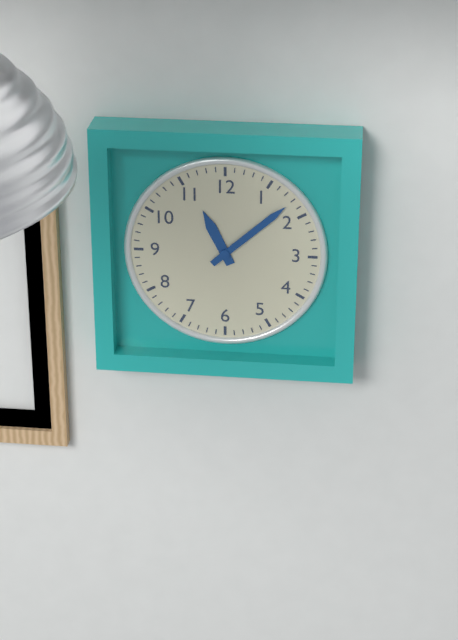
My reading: 11:08
